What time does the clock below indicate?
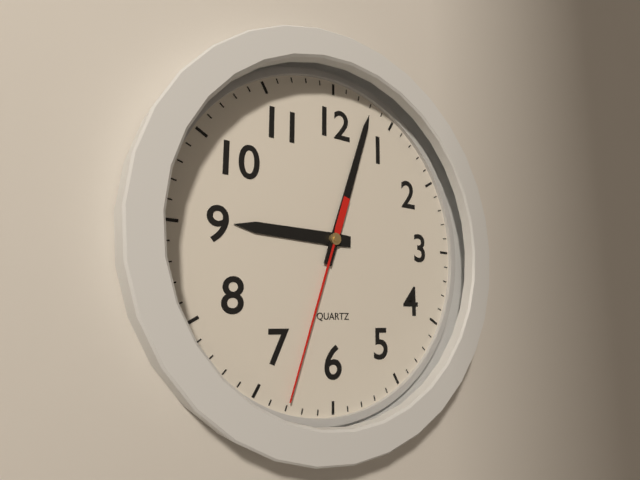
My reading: 9:03:33
